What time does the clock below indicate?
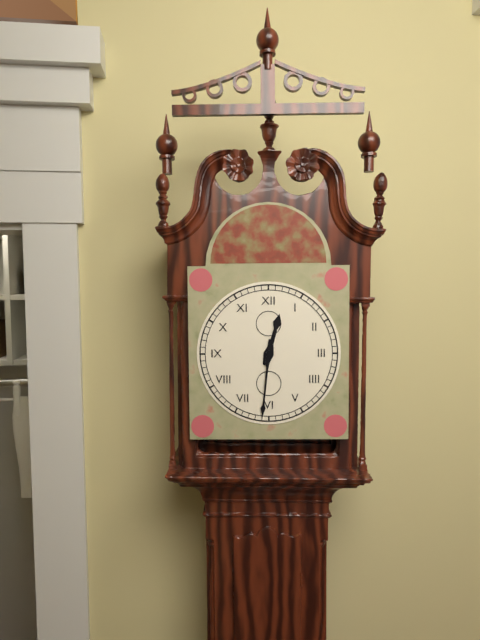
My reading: 12:31
